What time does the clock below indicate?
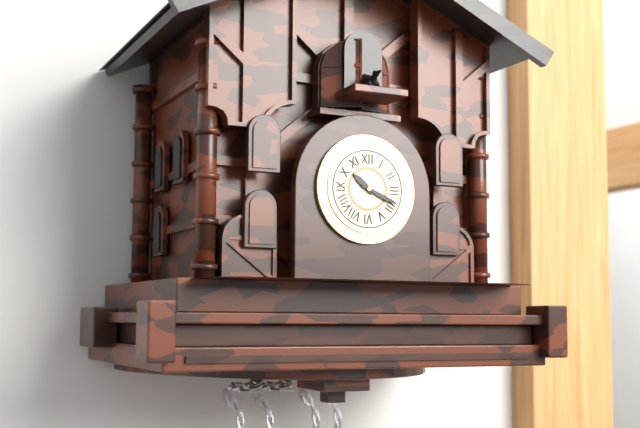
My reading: 10:19
